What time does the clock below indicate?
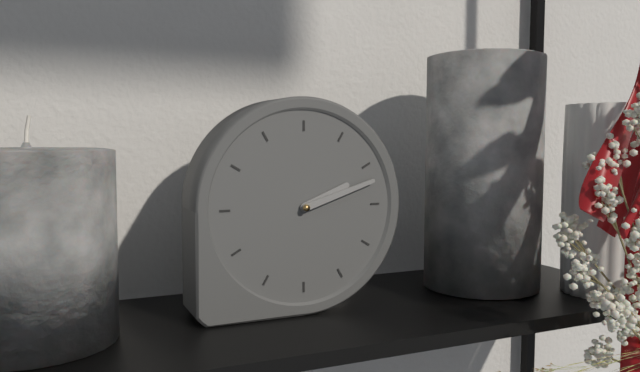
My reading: 2:12
